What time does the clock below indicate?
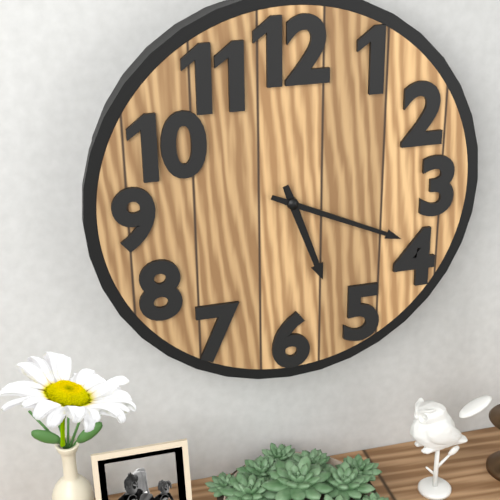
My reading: 5:19
